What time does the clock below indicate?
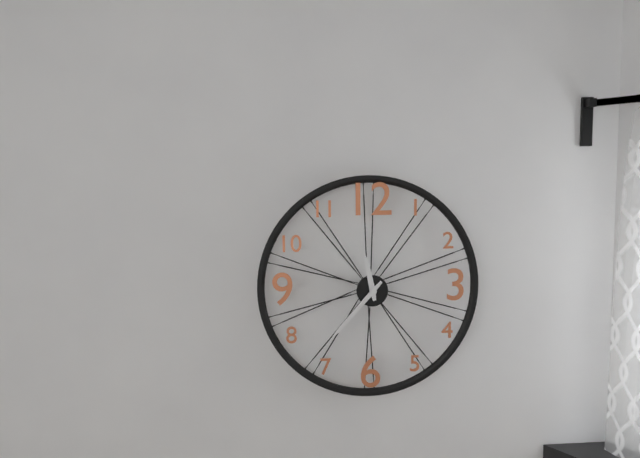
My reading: 11:37
